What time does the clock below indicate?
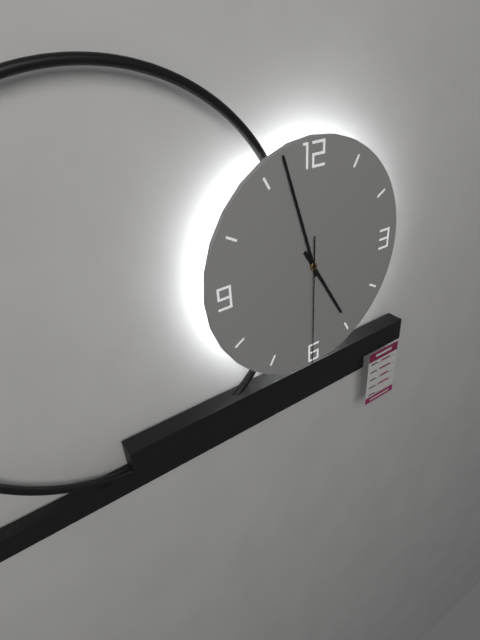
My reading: 4:57:30
